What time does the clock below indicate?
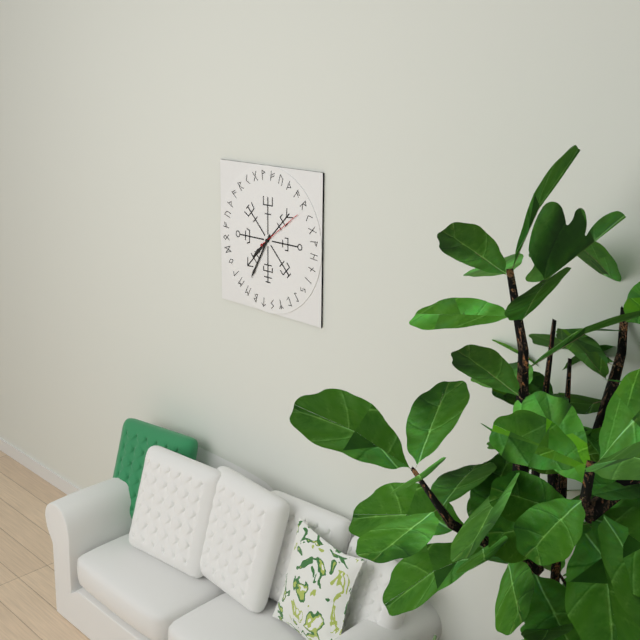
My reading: 7:35
